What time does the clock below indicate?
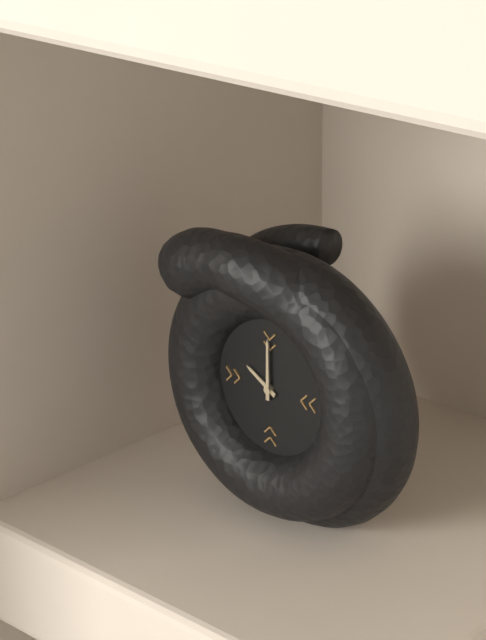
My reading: 10:00
